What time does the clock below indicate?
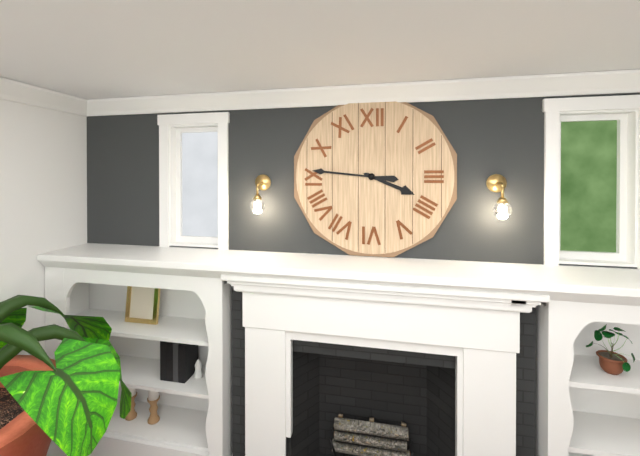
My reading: 3:46
